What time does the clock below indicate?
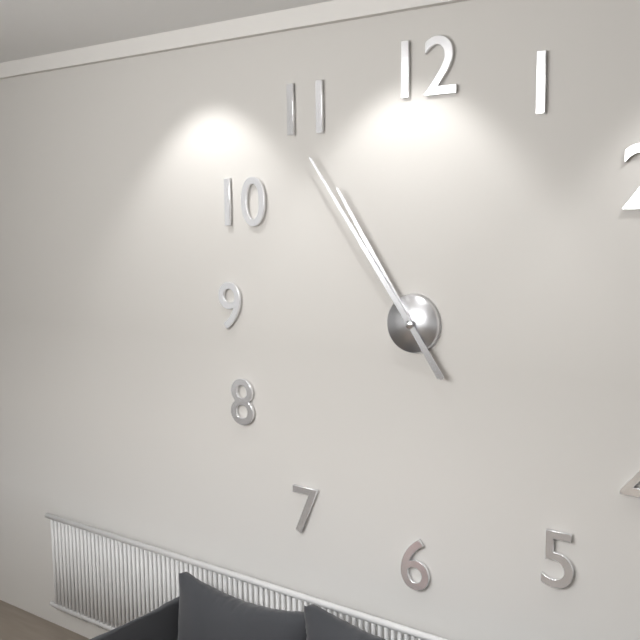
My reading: 10:54
